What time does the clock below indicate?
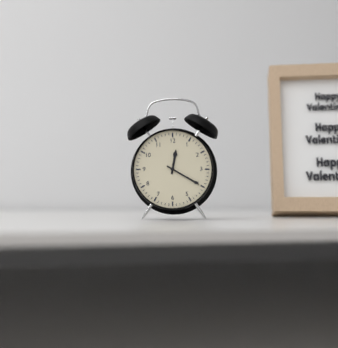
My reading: 12:20
